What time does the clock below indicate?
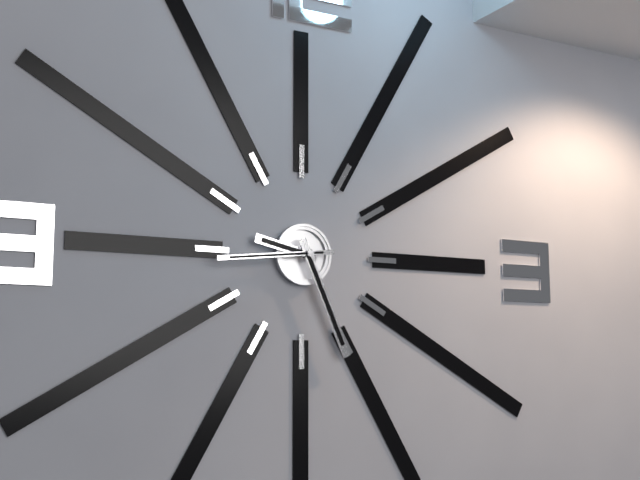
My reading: 9:26:44
